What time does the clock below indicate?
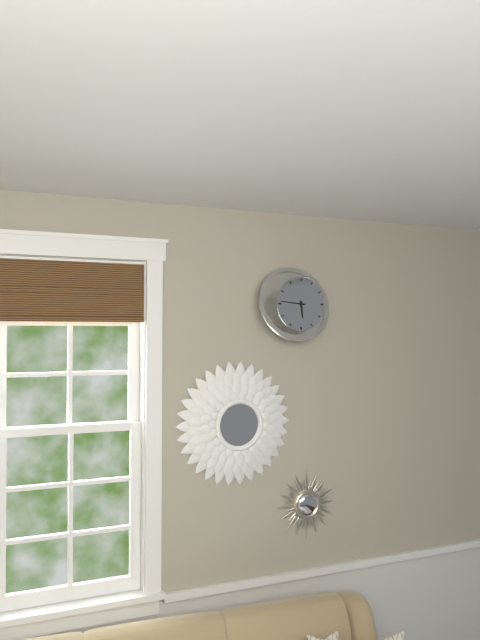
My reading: 5:46
